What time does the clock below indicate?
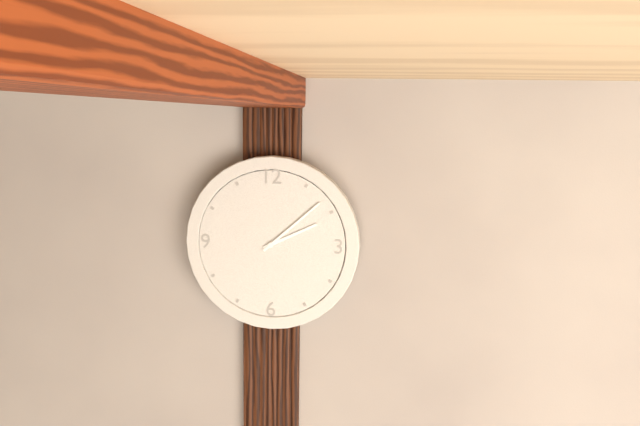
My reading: 2:08
